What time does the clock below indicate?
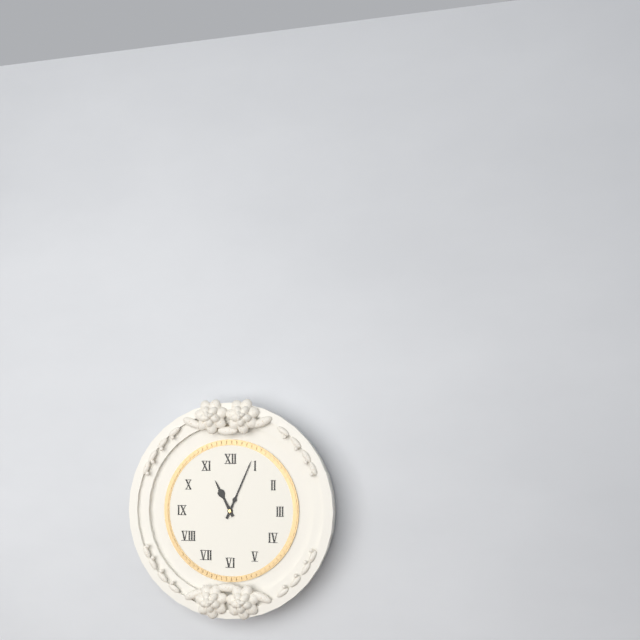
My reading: 11:04
